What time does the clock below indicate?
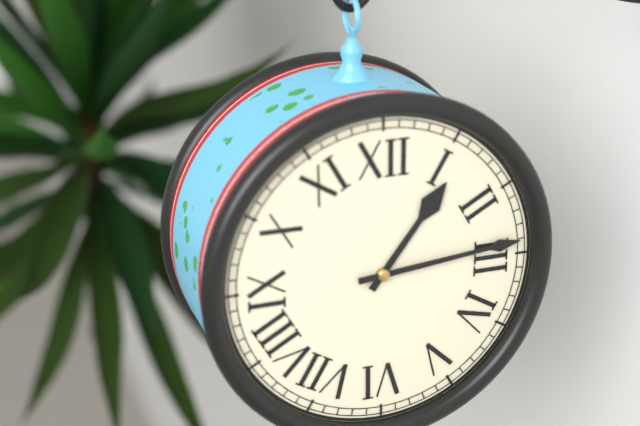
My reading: 1:14
